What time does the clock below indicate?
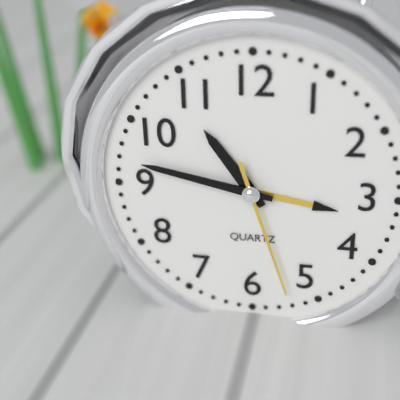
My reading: 10:47:27
